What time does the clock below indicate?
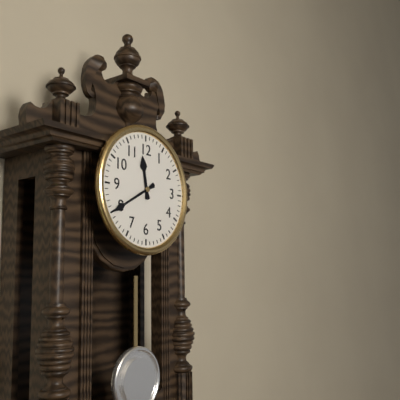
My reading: 11:40
